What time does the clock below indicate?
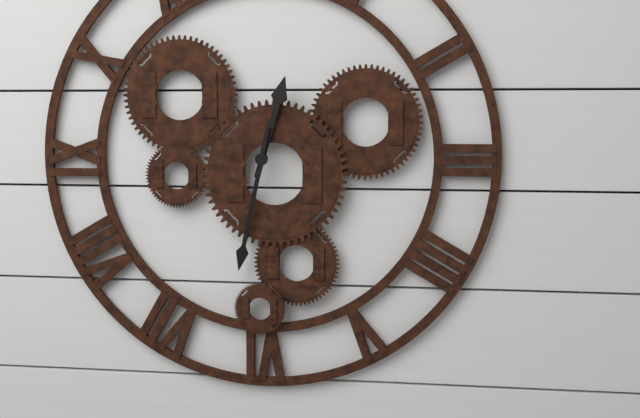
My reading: 12:32
